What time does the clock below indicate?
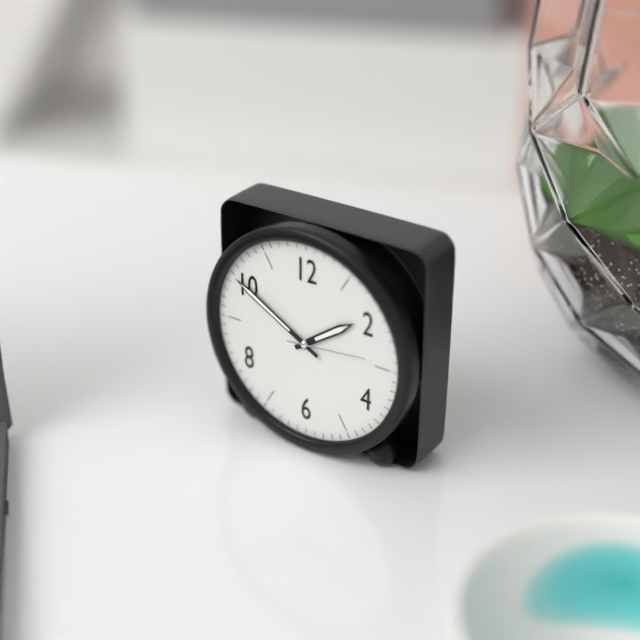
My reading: 1:50:14
